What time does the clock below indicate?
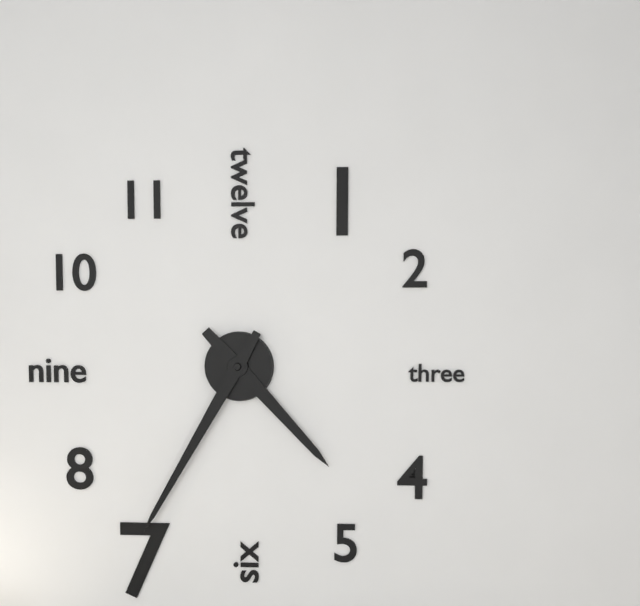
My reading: 4:35
